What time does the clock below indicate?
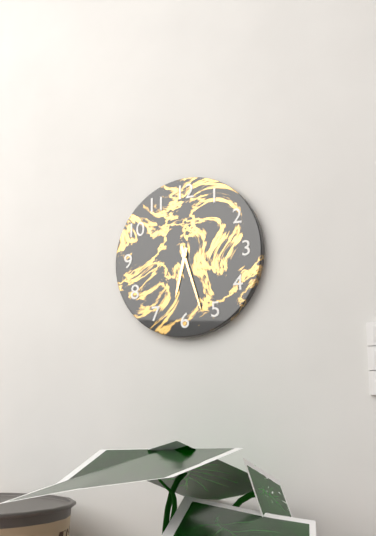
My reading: 6:27
